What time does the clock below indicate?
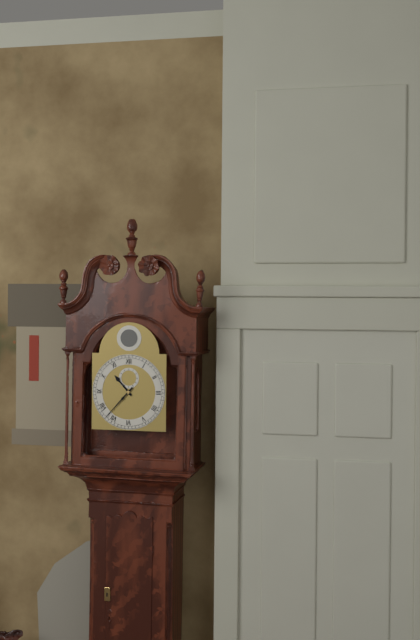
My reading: 10:37
